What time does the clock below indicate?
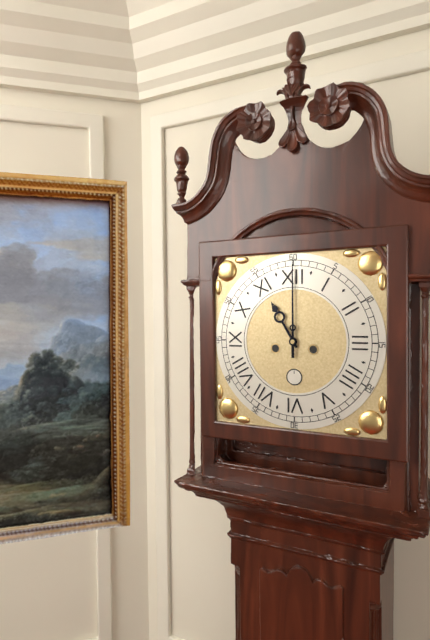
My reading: 11:00
